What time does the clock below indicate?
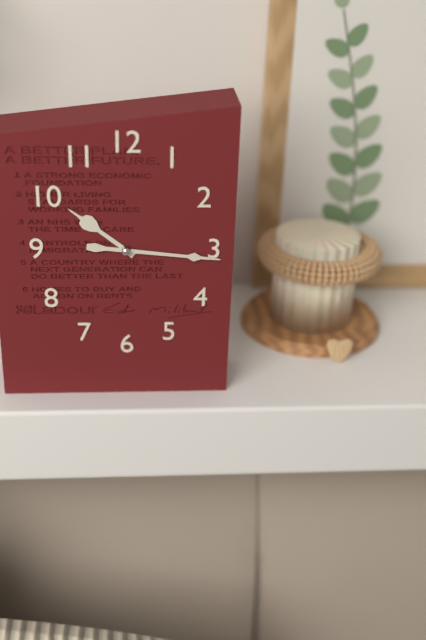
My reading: 10:16
